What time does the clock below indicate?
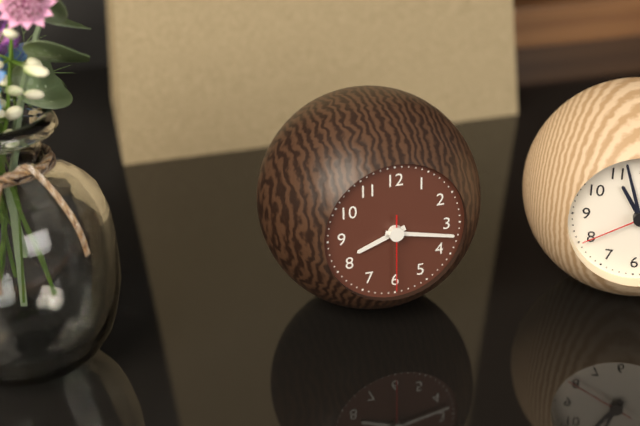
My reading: 8:17:30
